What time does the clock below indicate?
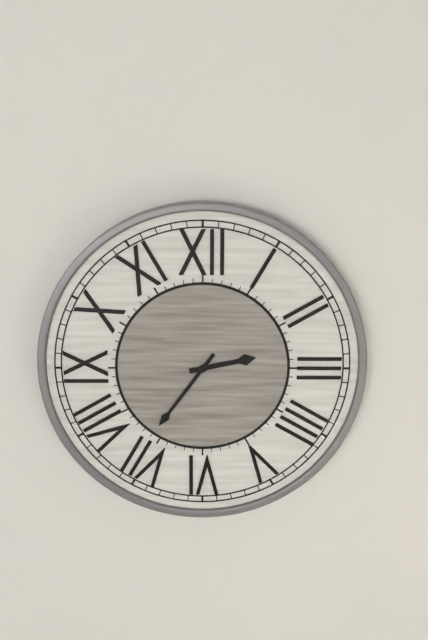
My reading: 2:36
